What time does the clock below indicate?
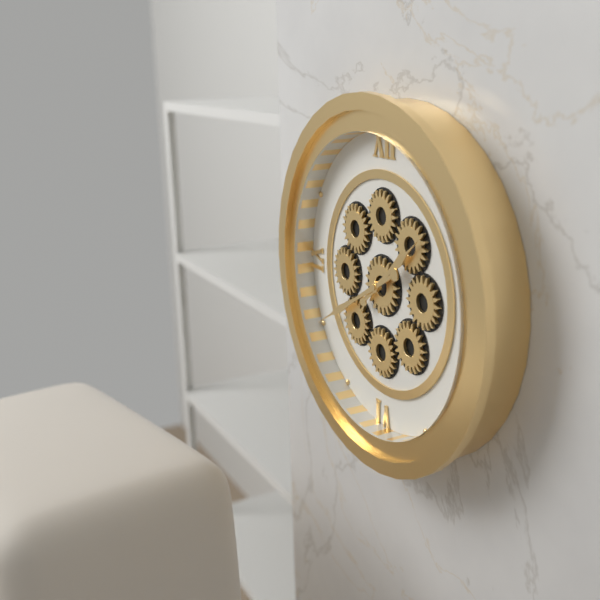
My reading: 1:40
